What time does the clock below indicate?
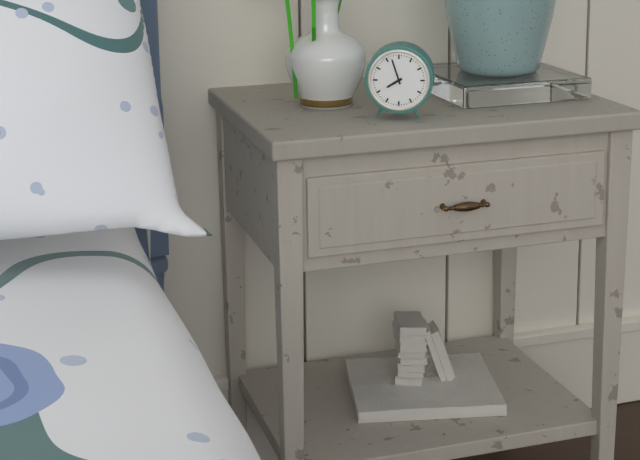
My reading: 7:57
